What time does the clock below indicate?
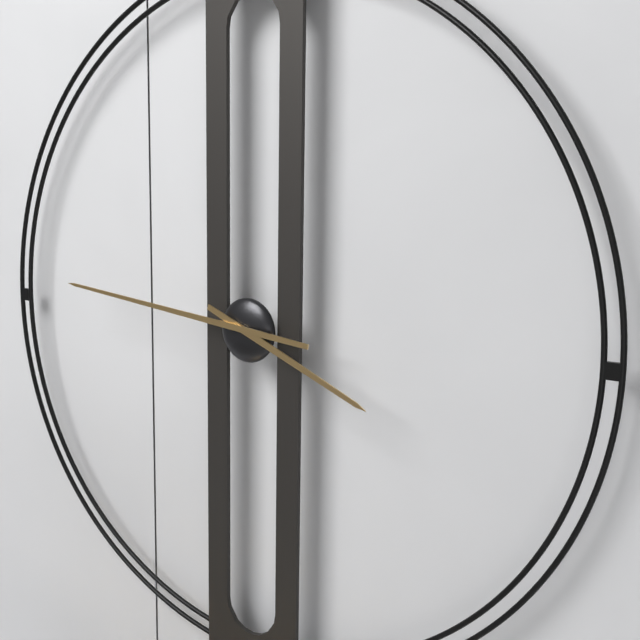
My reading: 3:46
